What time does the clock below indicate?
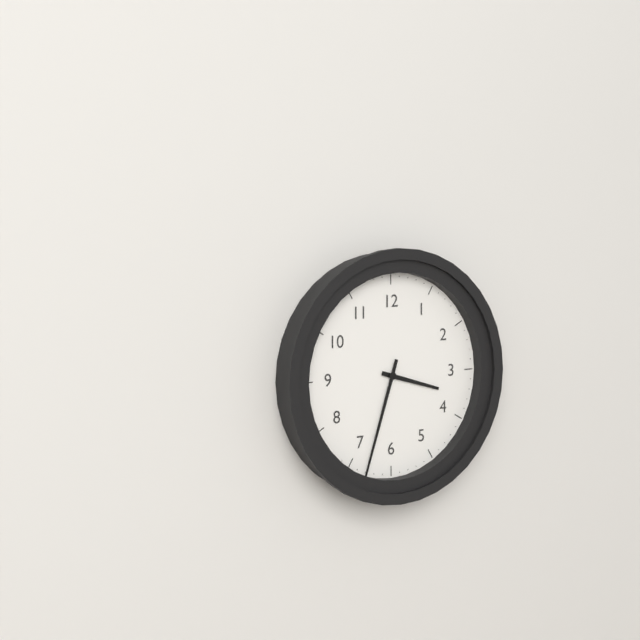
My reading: 3:33
